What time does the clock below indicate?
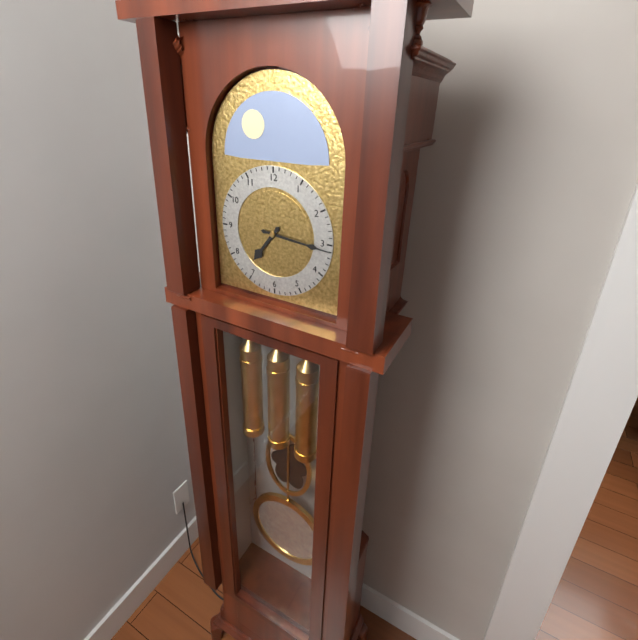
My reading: 7:16
